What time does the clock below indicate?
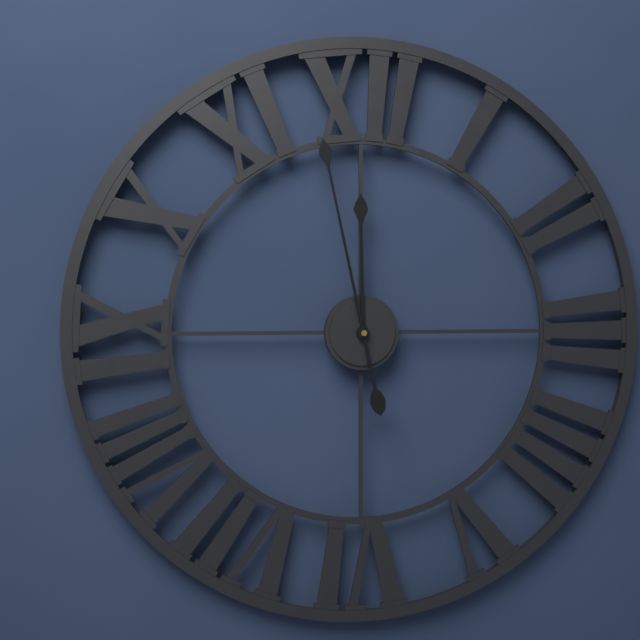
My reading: 11:58
